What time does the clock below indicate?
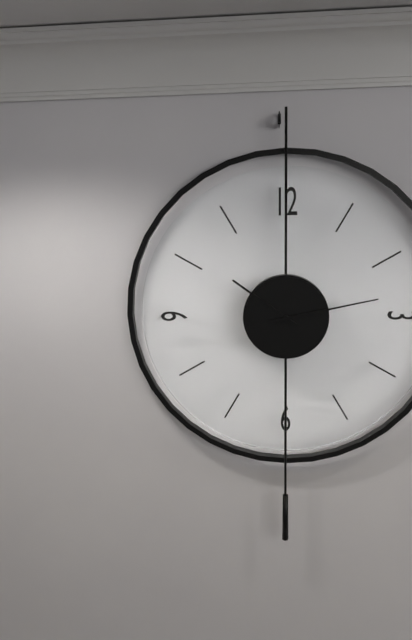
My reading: 10:13
